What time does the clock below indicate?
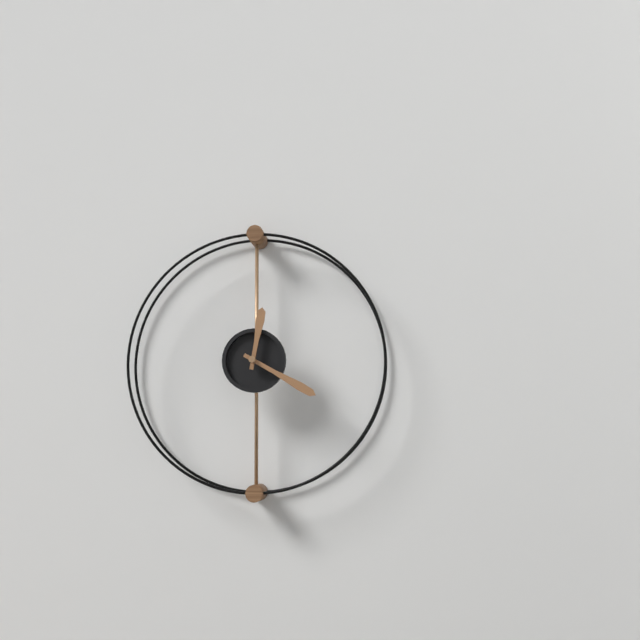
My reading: 12:20
